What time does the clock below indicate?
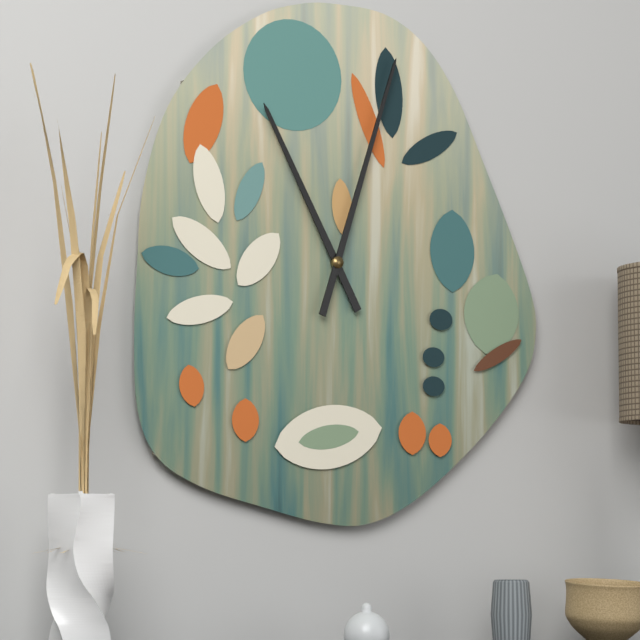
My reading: 11:03
